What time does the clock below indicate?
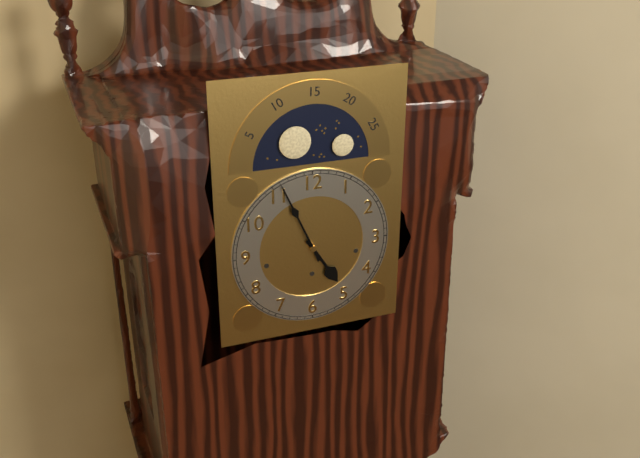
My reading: 4:56
